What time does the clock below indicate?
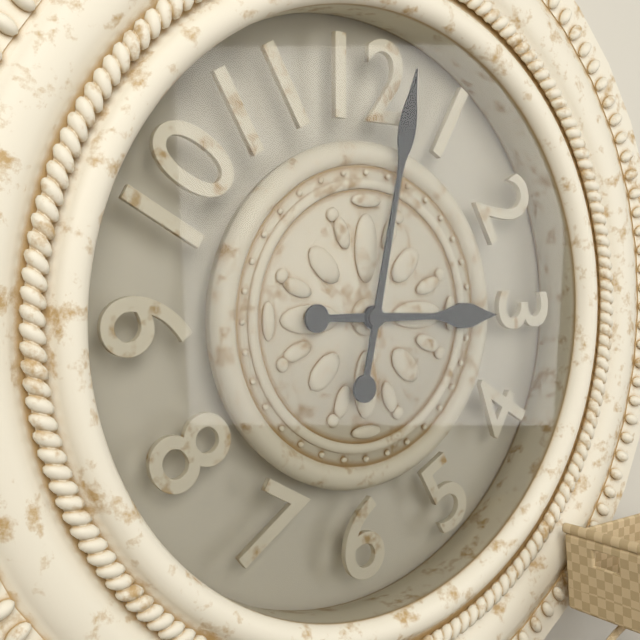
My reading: 3:02
